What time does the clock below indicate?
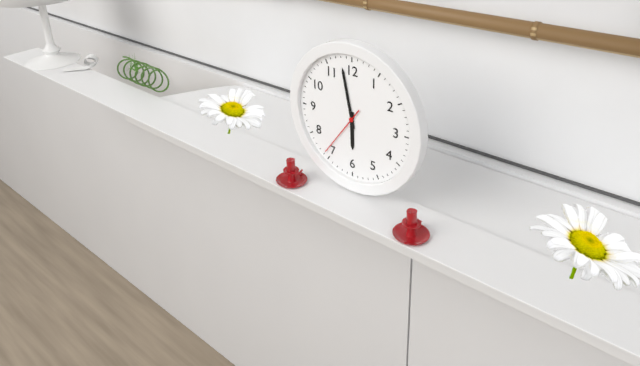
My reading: 5:58:36
